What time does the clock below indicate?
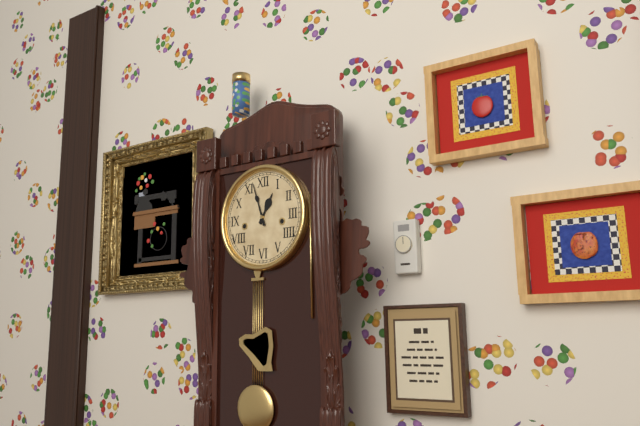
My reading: 12:57
